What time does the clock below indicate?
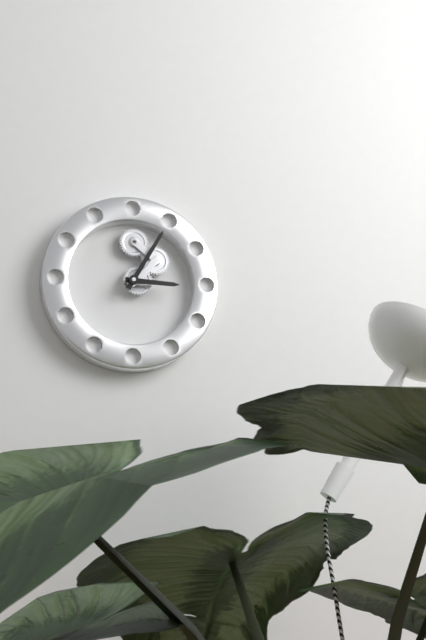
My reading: 3:05
